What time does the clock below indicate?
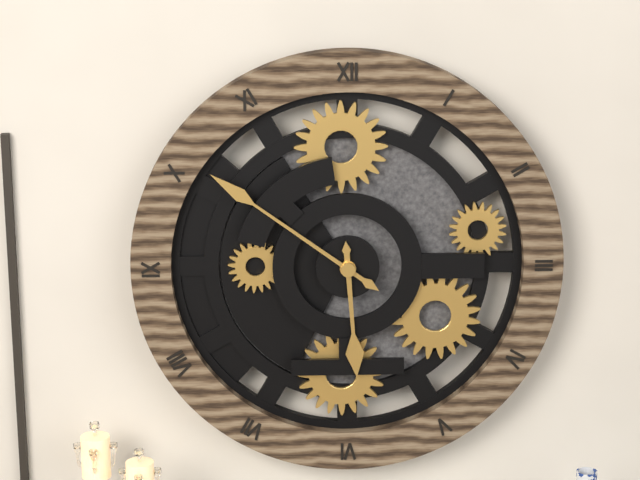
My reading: 5:51
